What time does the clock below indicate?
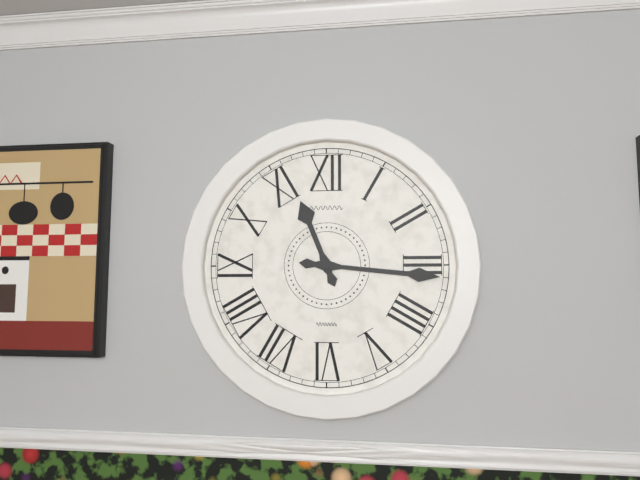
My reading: 11:16
